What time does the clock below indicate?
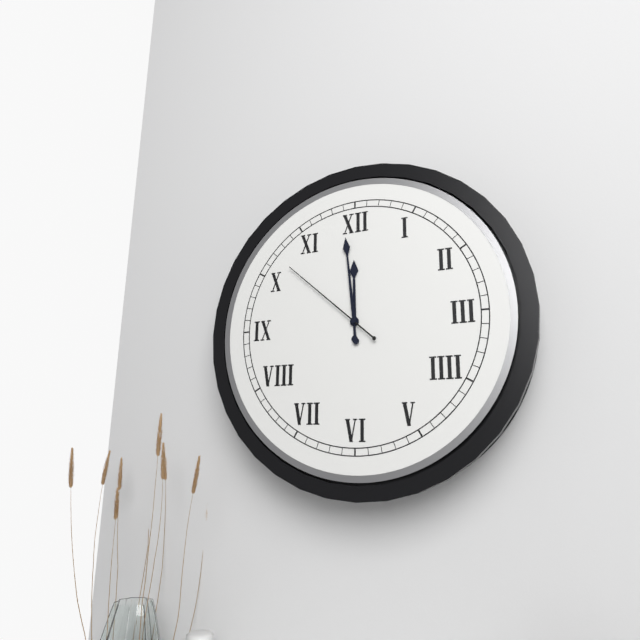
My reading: 11:59:52
